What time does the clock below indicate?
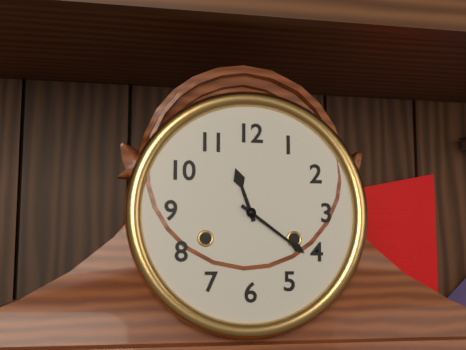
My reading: 11:21
